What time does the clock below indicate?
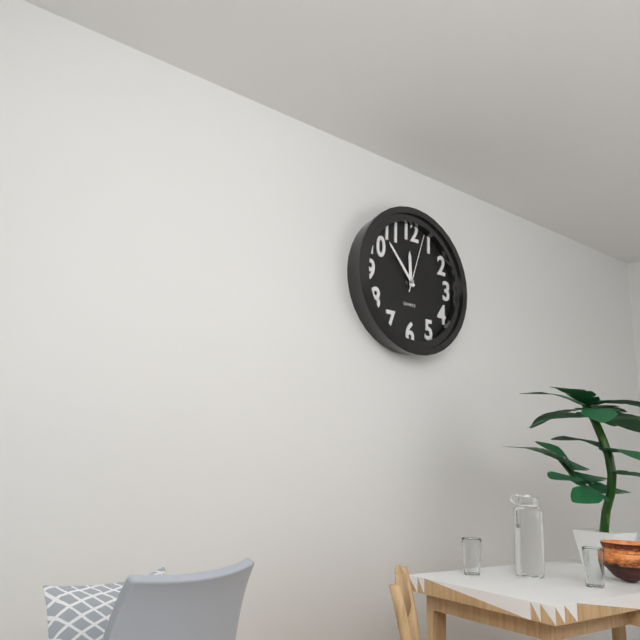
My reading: 11:53:03
